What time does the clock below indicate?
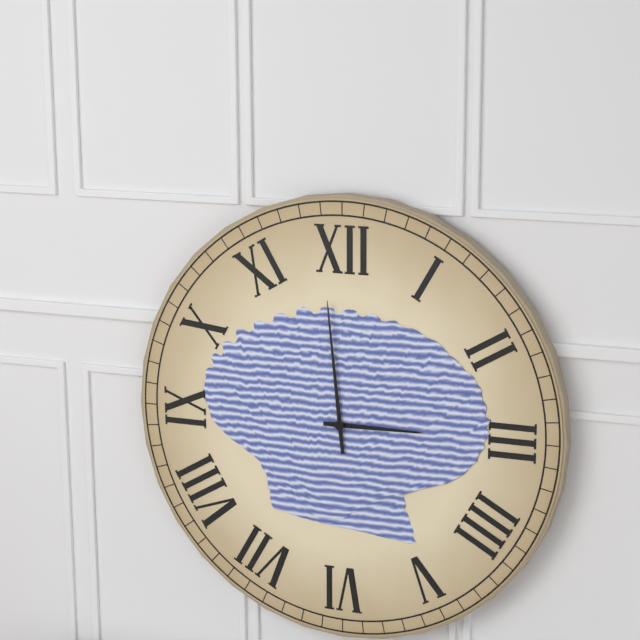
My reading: 2:59
